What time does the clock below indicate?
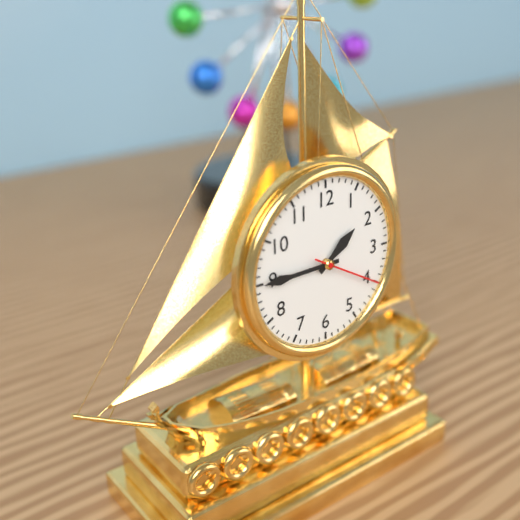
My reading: 1:45:20
